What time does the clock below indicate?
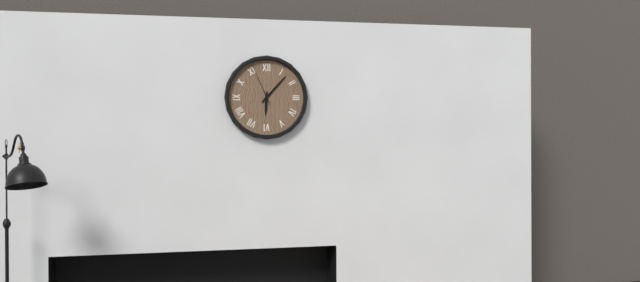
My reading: 6:07
